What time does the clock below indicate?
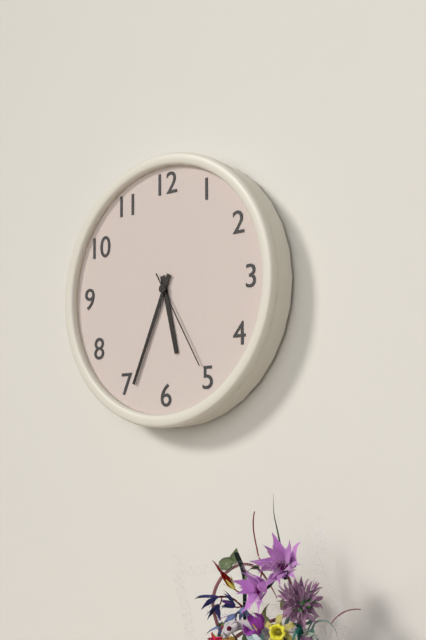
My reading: 5:34:25
